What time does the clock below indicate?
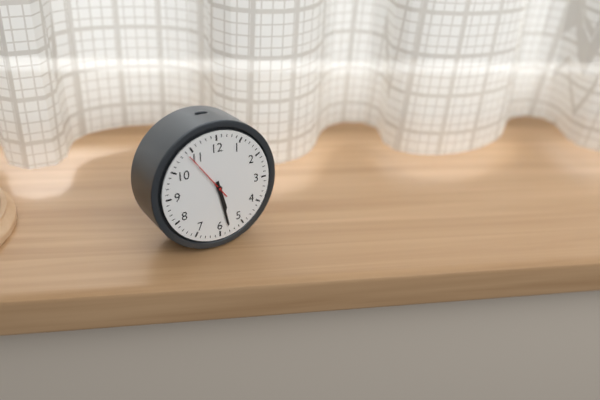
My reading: 5:28:54
